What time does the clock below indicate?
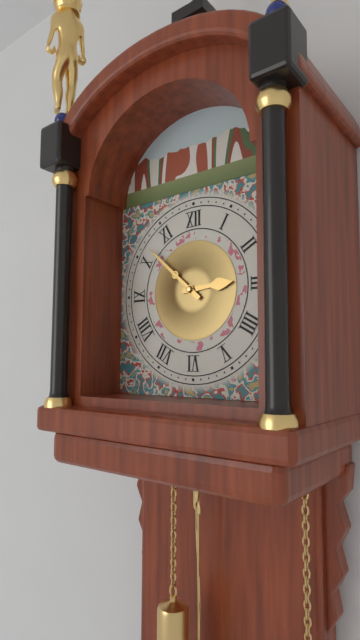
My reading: 2:52
